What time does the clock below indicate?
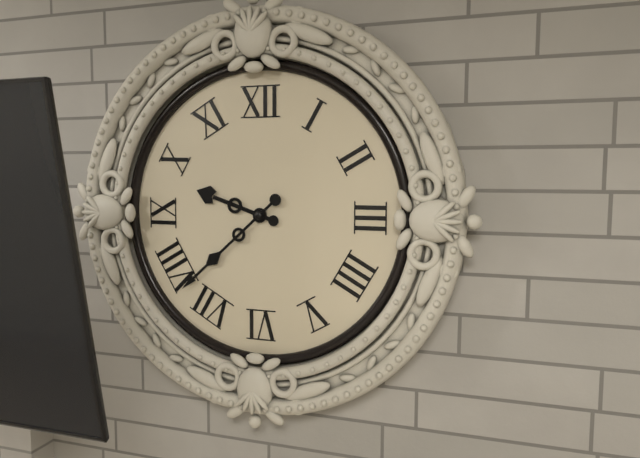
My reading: 9:38
